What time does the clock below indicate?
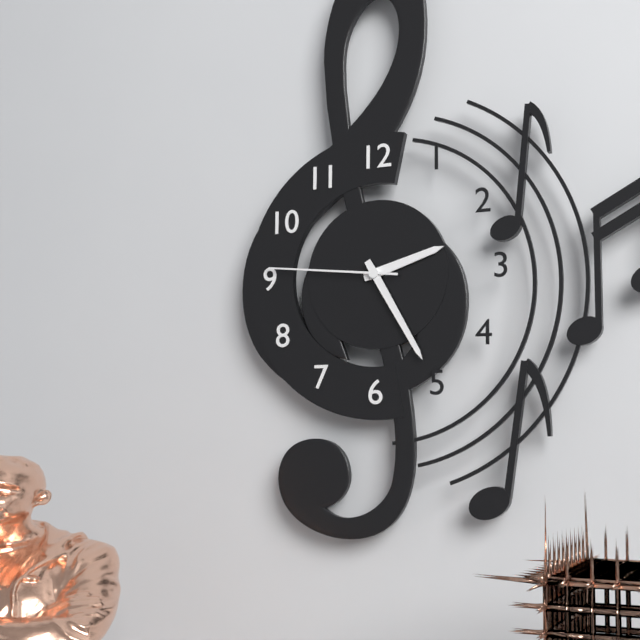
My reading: 2:25:46
